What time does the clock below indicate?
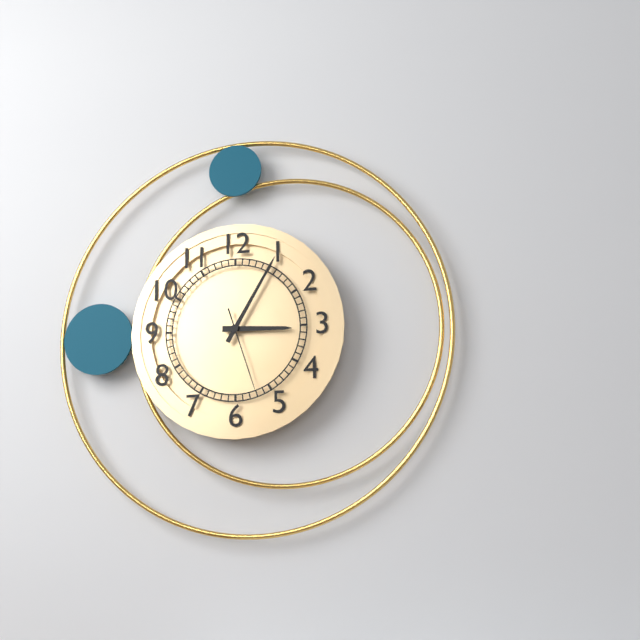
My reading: 3:05:27
